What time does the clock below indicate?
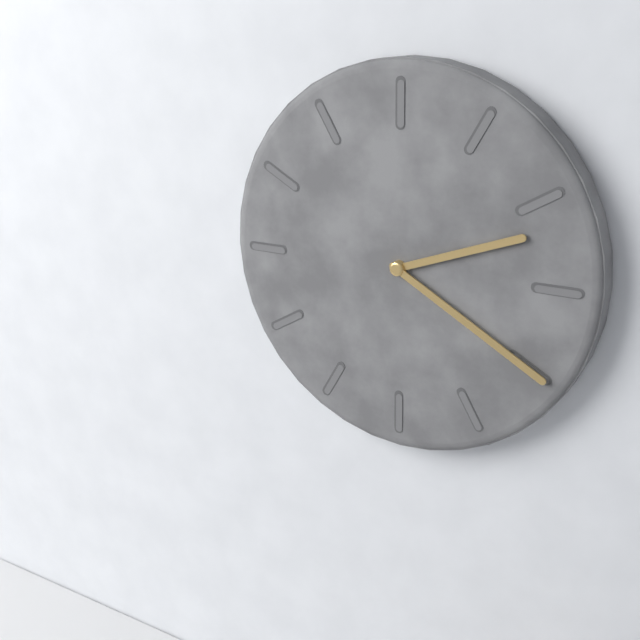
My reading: 2:20
